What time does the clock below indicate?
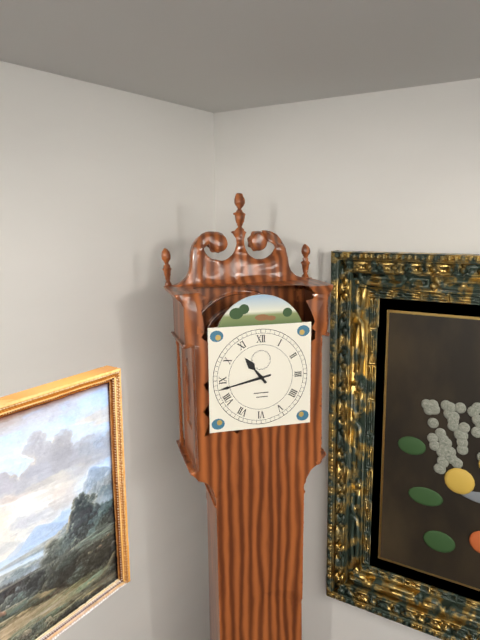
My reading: 10:43
